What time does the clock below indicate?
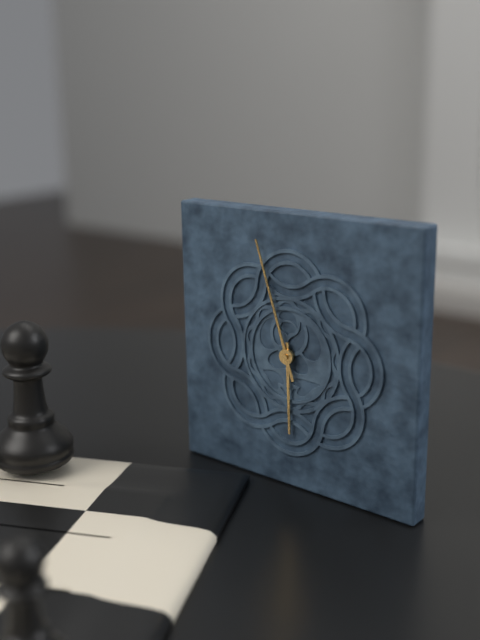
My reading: 5:57
